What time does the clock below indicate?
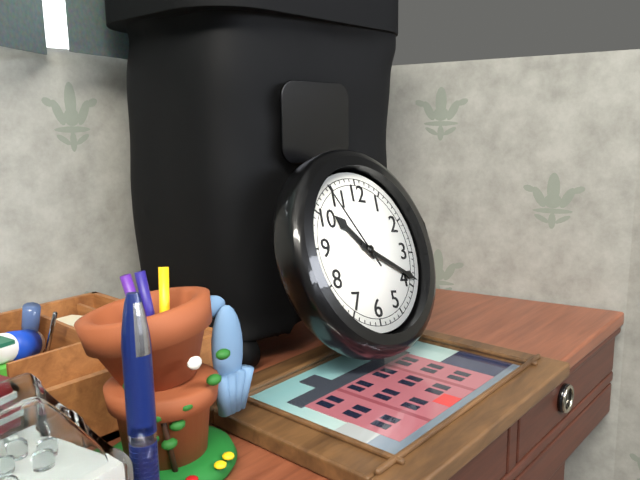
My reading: 10:19:54
